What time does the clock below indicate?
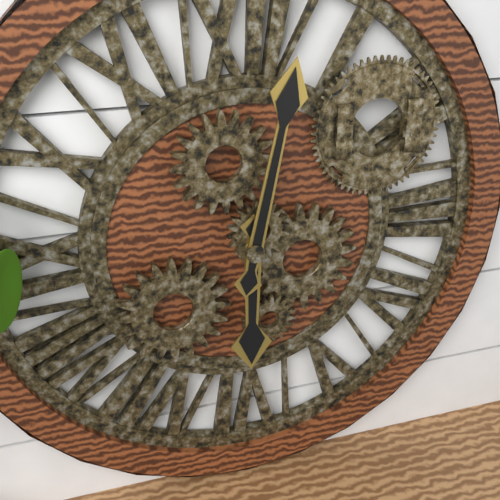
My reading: 6:02
